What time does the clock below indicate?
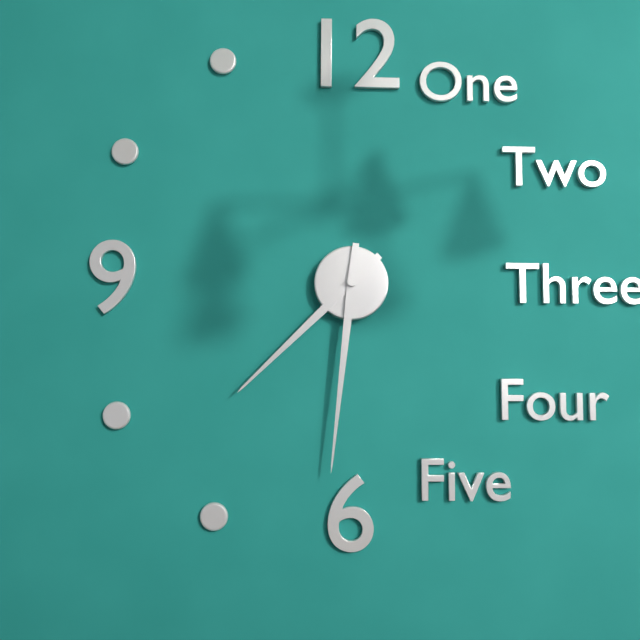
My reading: 7:31
